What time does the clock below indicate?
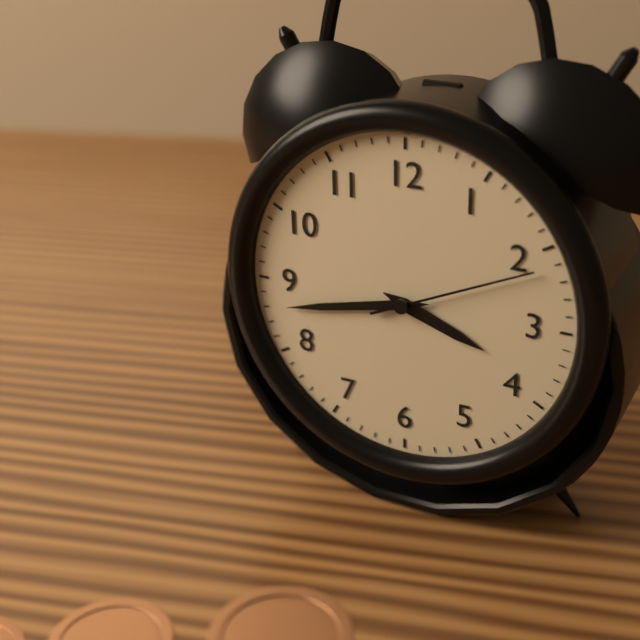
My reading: 3:43:11
